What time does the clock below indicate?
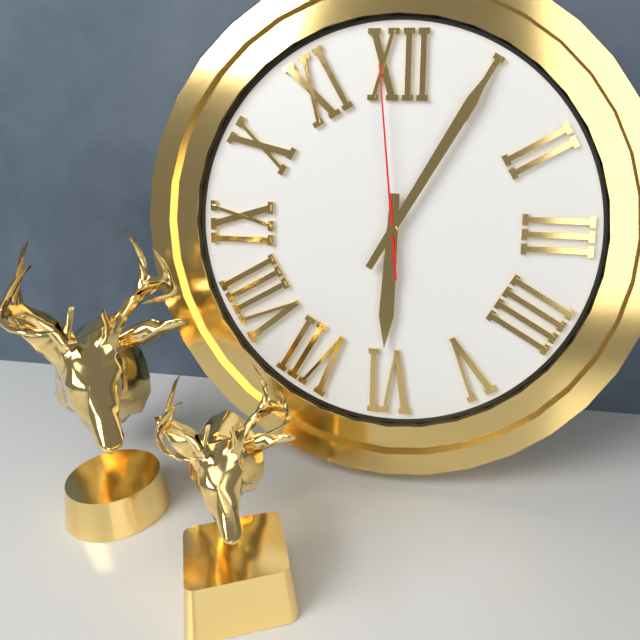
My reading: 6:05:59
